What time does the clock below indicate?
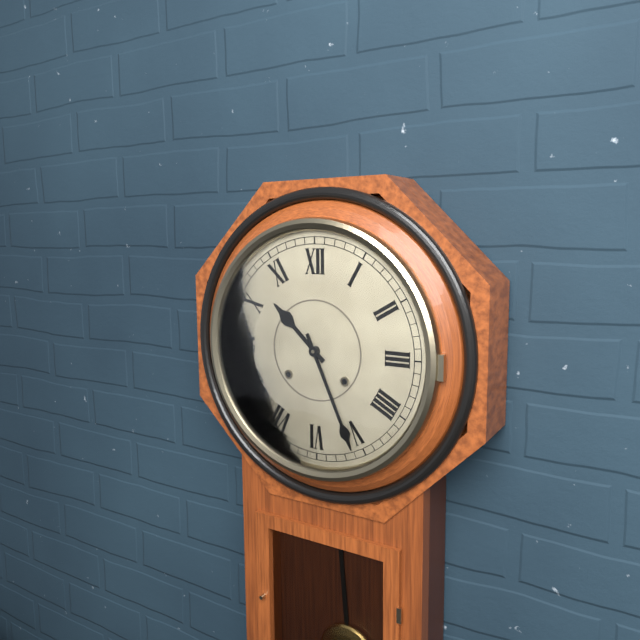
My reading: 10:26
